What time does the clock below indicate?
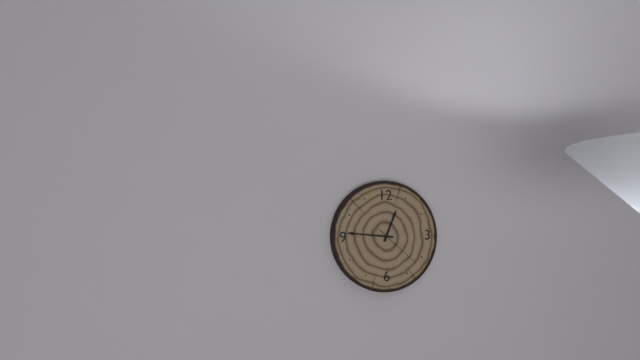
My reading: 12:46
